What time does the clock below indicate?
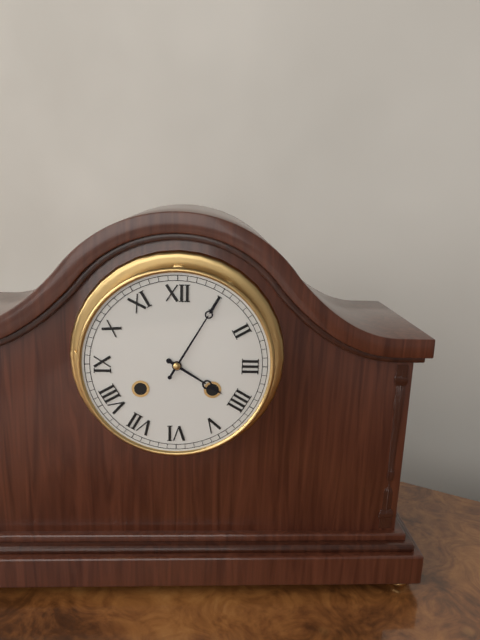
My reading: 4:05
